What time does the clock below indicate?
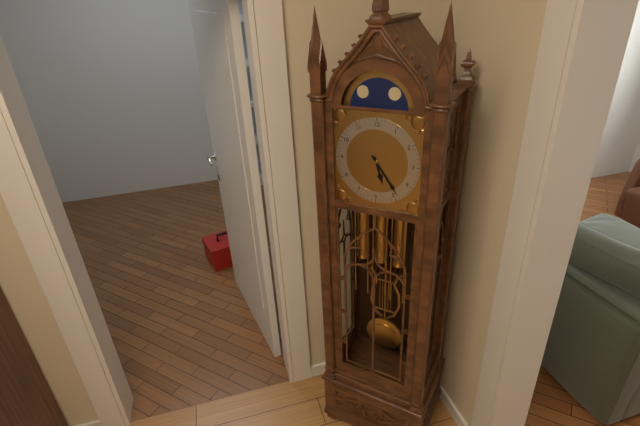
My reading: 5:24
